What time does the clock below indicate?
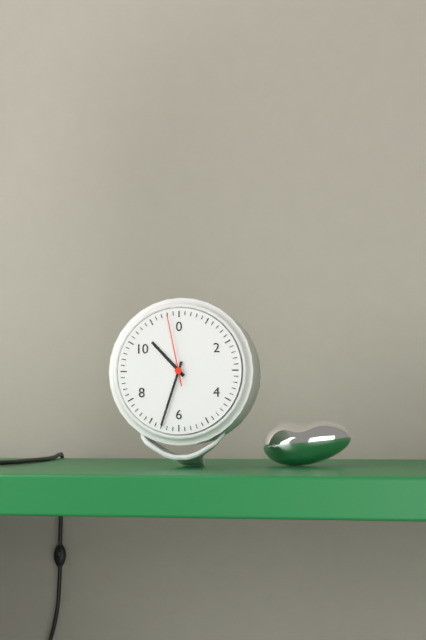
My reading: 10:33:58
